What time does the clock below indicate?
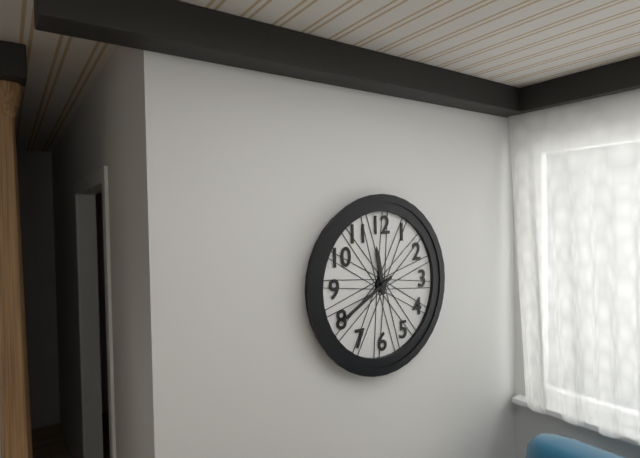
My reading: 11:40
